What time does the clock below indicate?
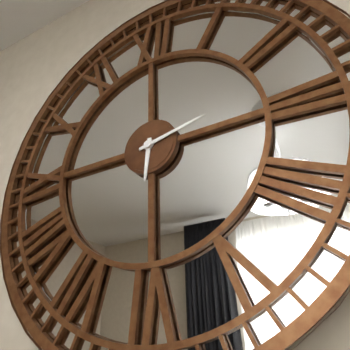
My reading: 6:13
